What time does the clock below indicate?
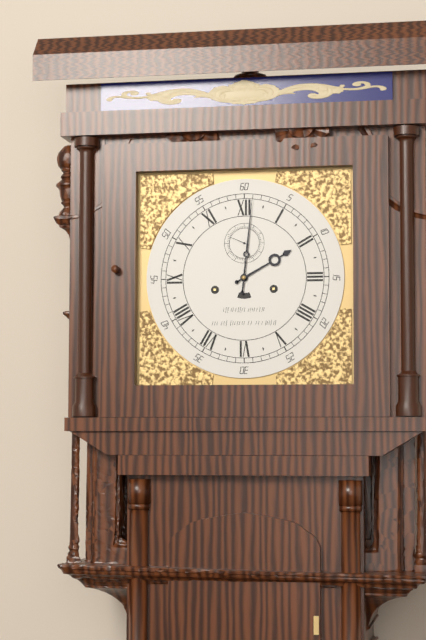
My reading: 2:01
